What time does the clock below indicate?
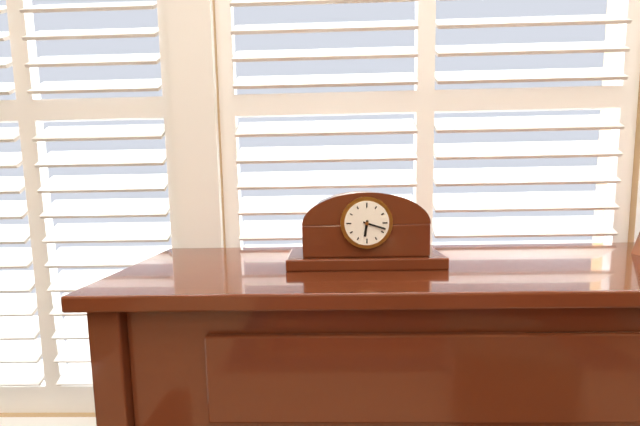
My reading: 6:18
